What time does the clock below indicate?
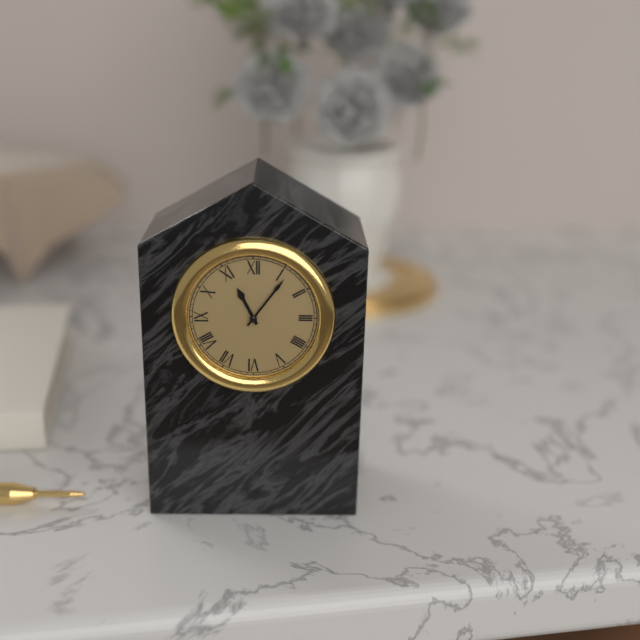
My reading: 11:06
